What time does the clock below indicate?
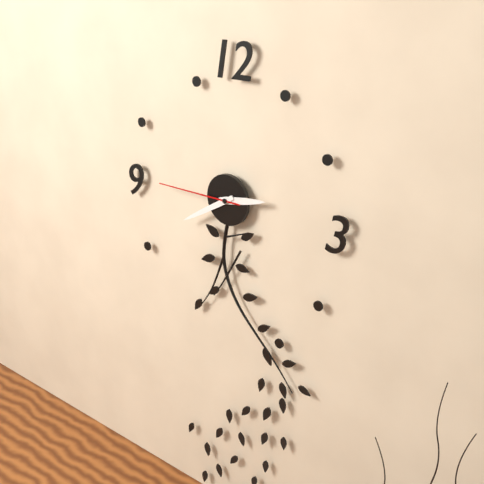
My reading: 2:40:45
